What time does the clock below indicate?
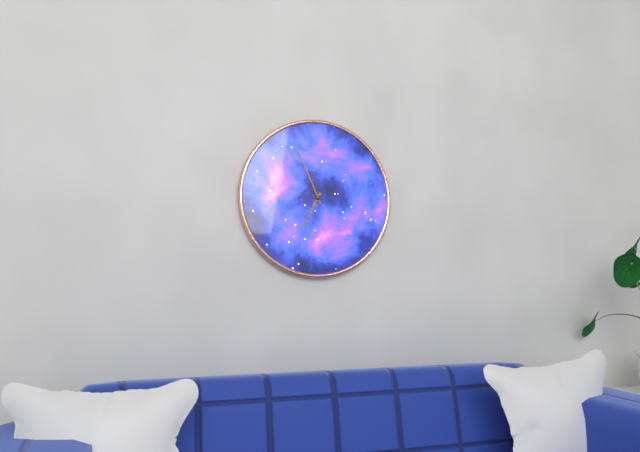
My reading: 6:56
